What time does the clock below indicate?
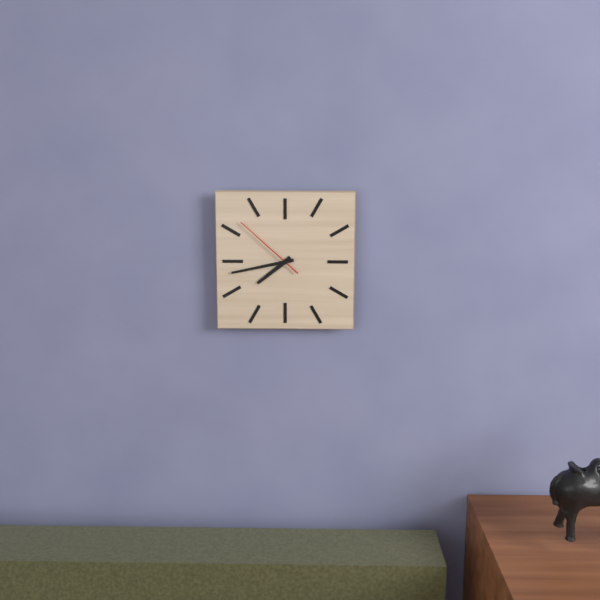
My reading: 7:43:52
